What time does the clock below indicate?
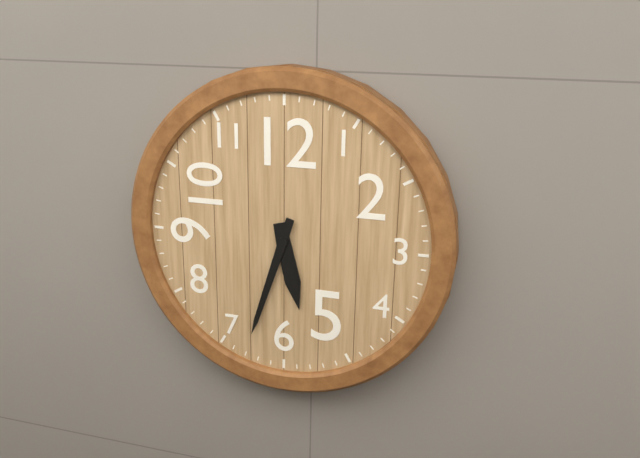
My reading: 5:33
